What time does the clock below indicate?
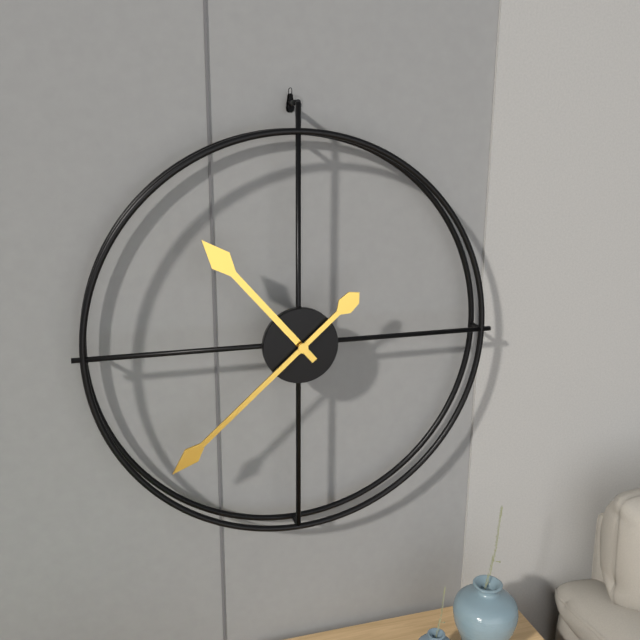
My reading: 10:38
